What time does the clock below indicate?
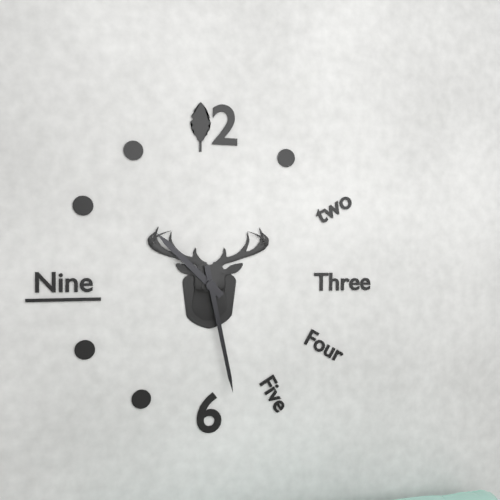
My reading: 10:28
